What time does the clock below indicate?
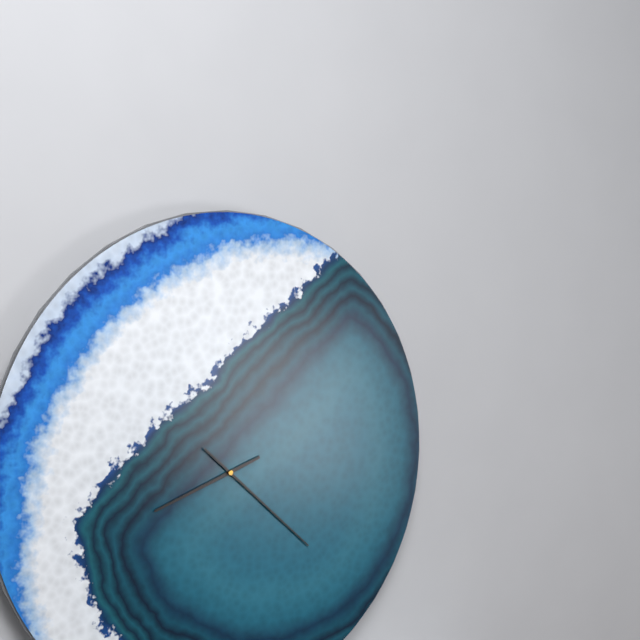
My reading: 8:22
